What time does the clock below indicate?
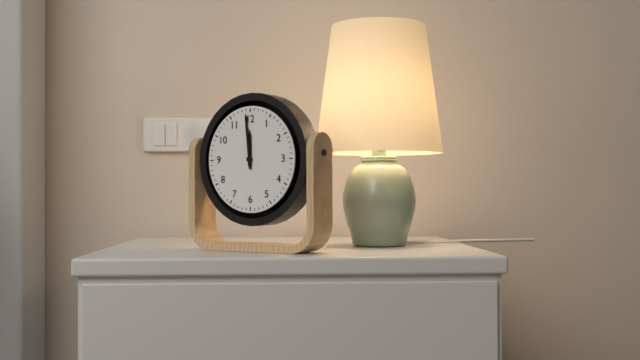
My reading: 11:59
